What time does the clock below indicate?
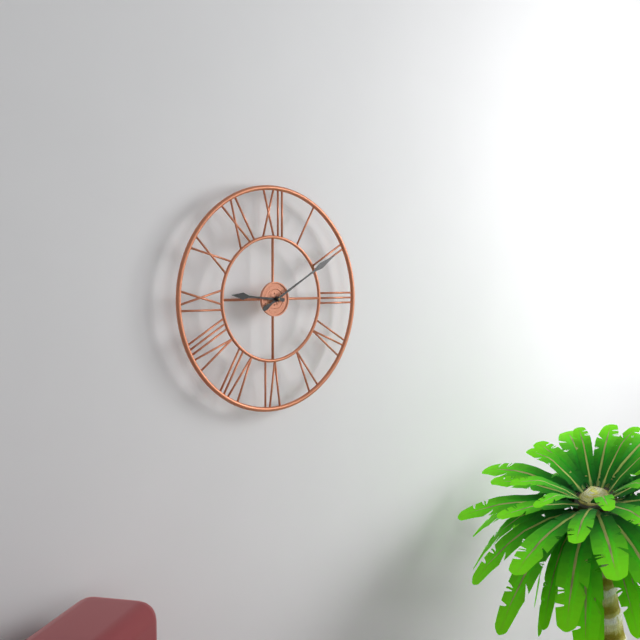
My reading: 9:10
